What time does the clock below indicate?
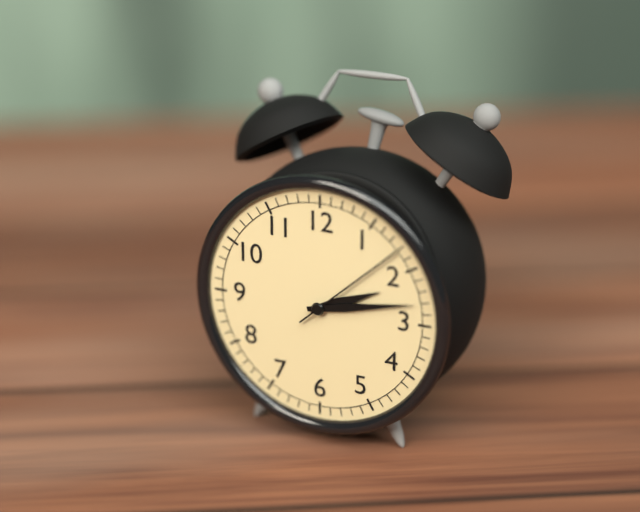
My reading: 2:13:08
